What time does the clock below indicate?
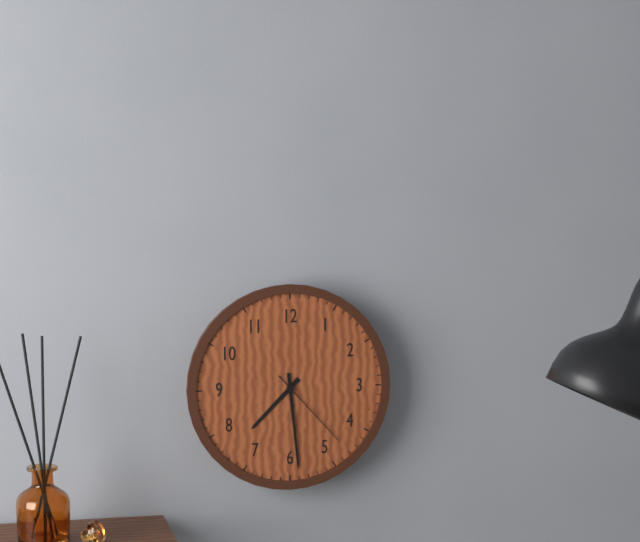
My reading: 7:29:23
